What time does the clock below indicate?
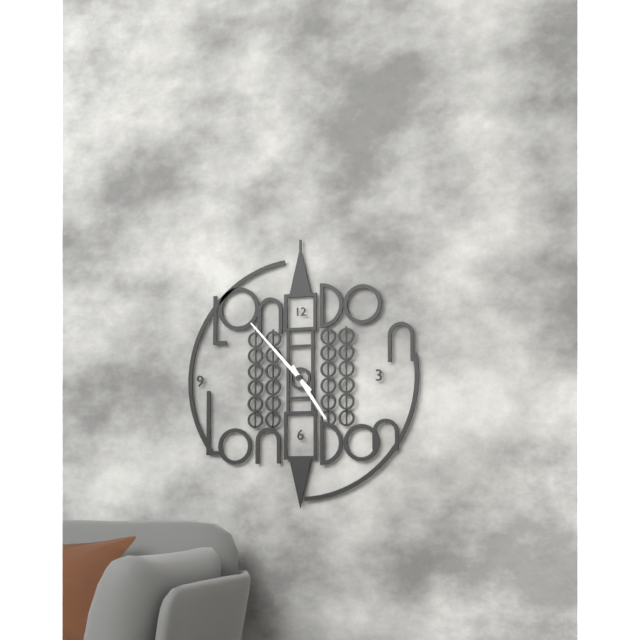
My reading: 4:53
